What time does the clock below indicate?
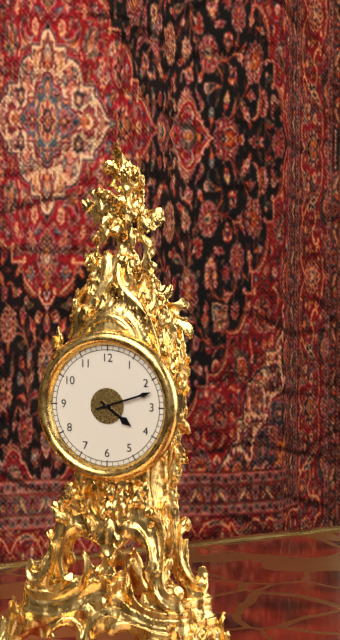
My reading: 4:12
